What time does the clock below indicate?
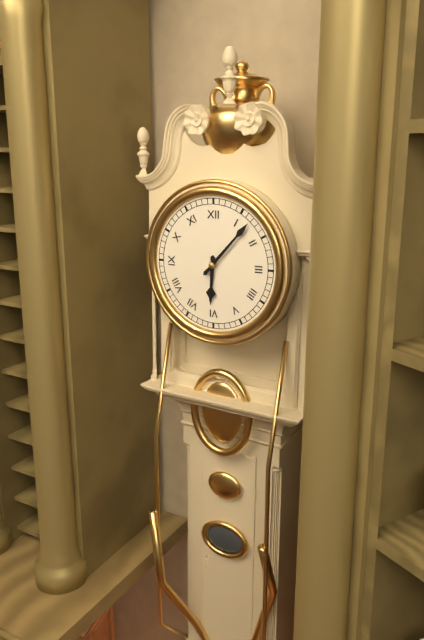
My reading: 6:07
